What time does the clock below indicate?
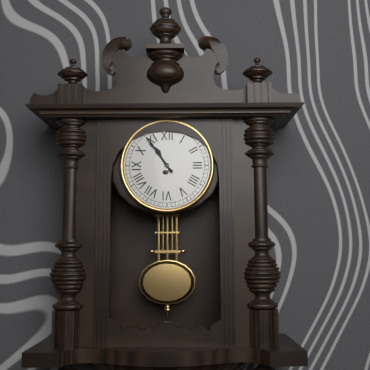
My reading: 10:54
